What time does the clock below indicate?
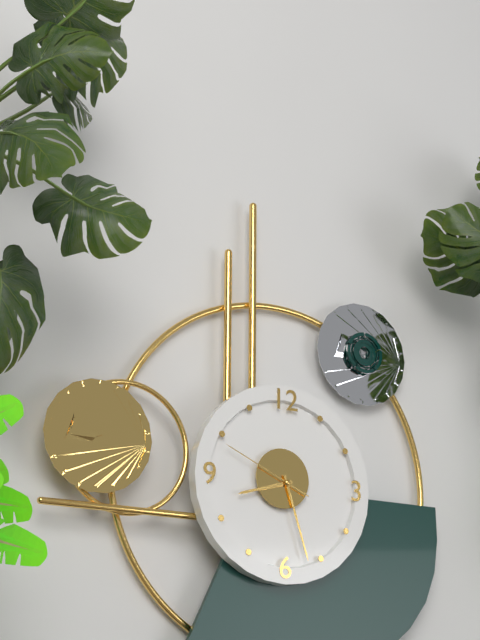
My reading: 8:27:49
